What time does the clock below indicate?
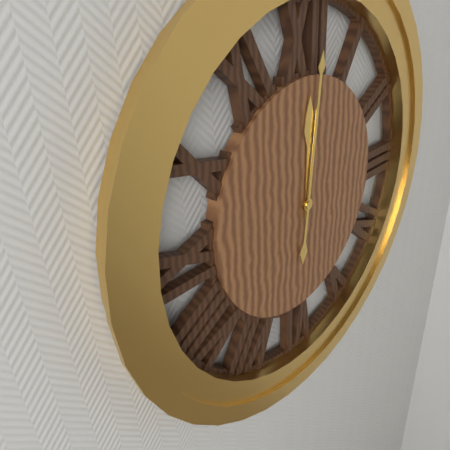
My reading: 12:01
